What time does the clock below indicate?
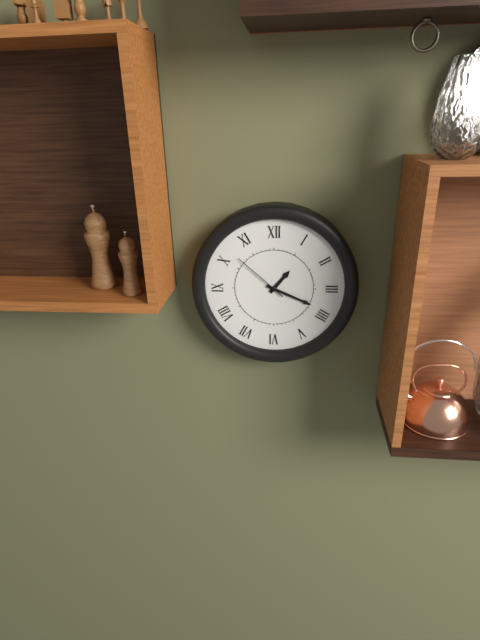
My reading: 1:19:52
